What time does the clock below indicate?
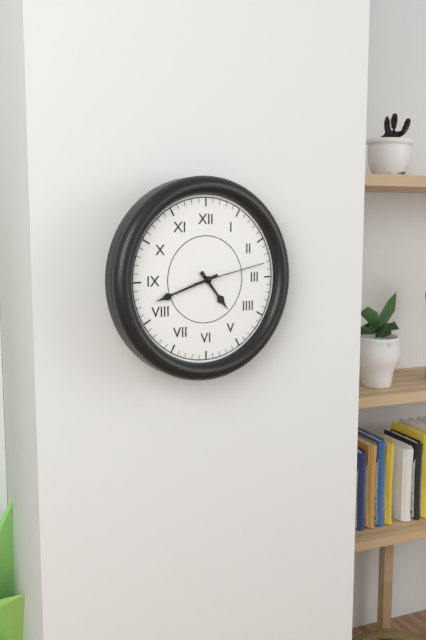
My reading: 4:42:13
